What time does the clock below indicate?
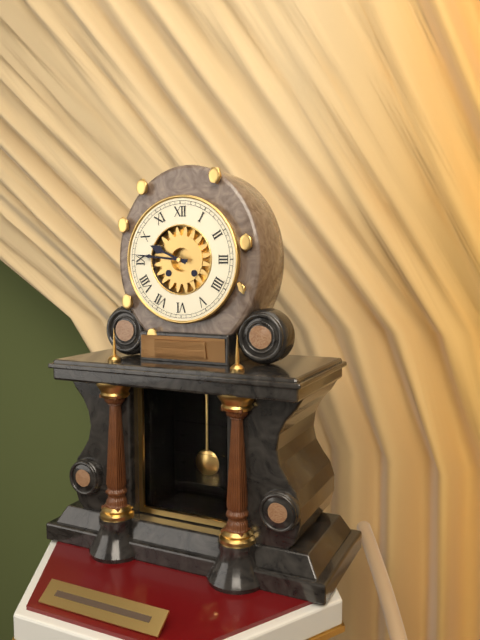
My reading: 9:46
